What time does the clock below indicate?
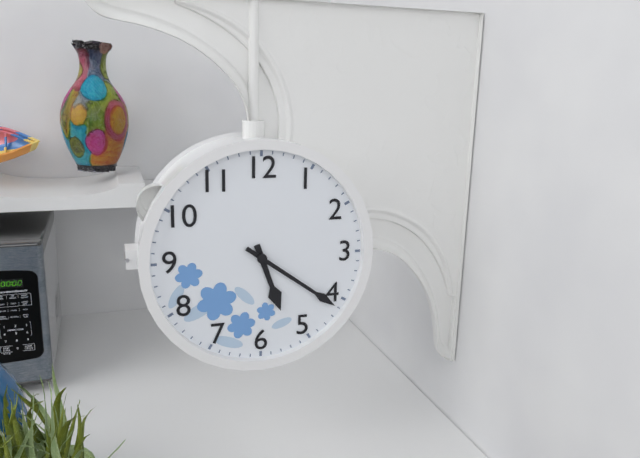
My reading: 5:21
